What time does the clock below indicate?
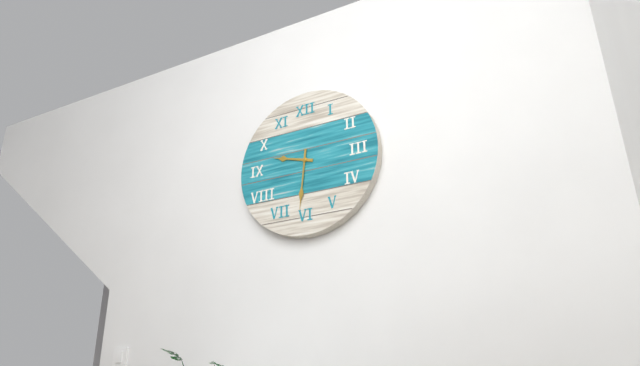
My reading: 9:31
